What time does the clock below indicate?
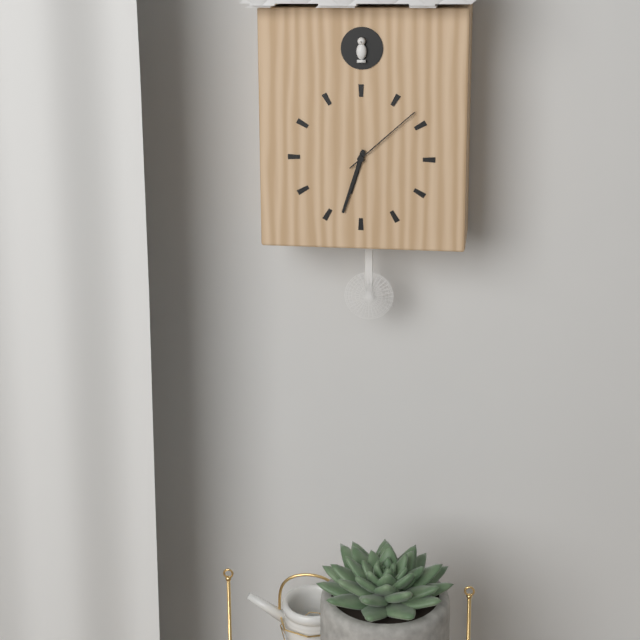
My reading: 6:33:08
